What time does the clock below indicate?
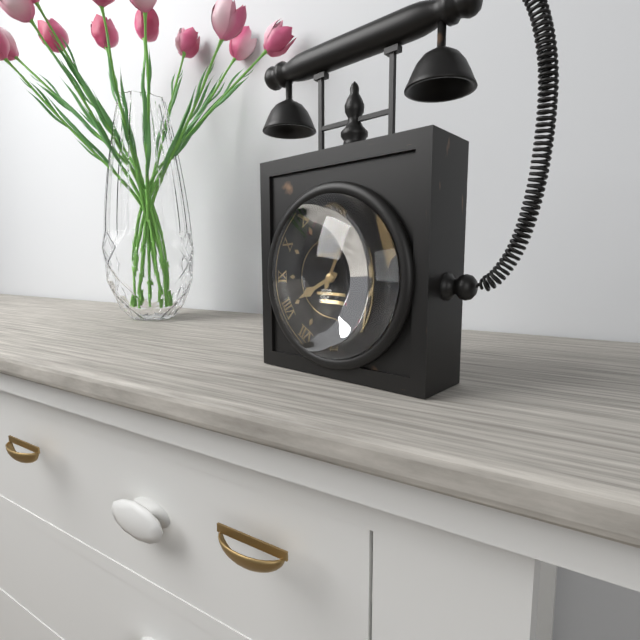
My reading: 8:04
